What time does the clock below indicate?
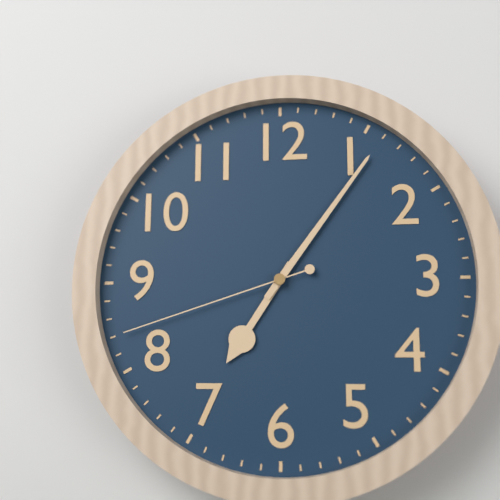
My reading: 7:06:42
